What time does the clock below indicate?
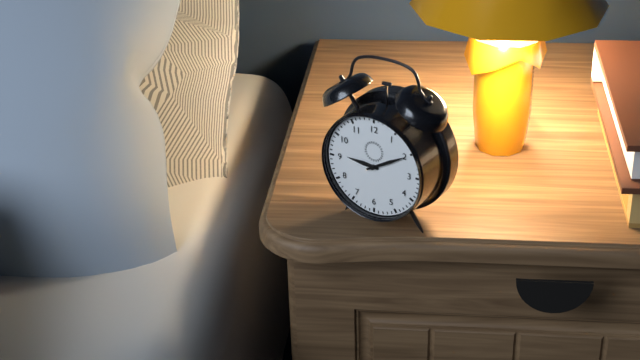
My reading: 9:10
